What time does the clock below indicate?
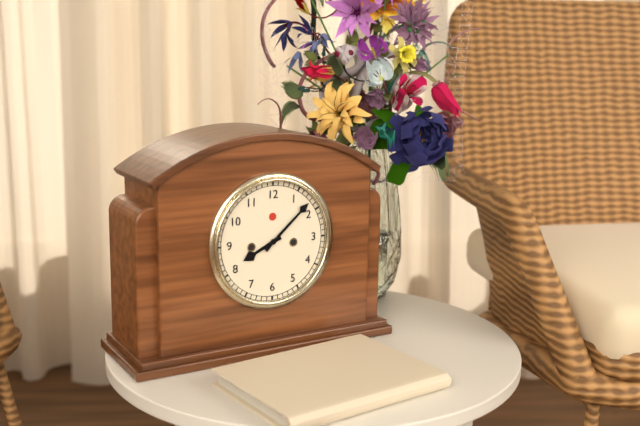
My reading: 8:08
